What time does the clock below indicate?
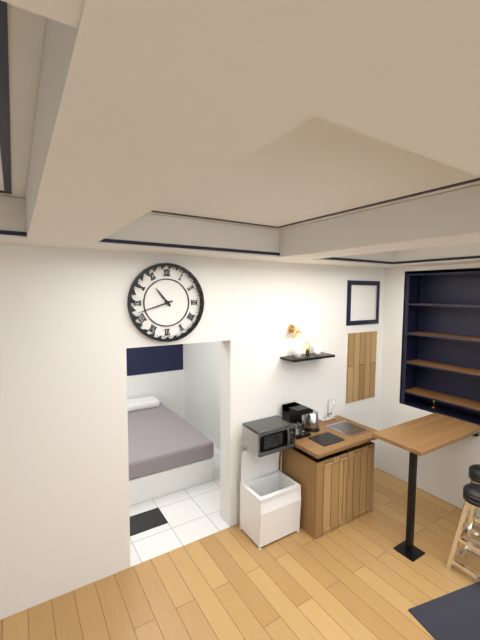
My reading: 10:42
